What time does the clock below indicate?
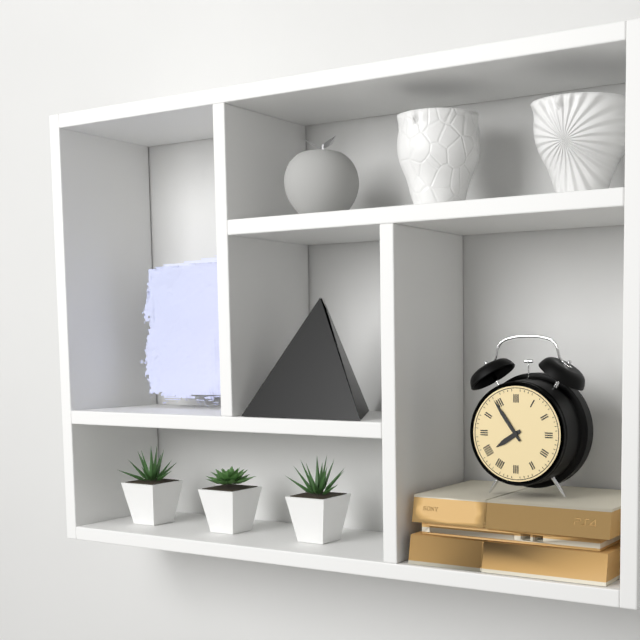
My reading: 7:54
